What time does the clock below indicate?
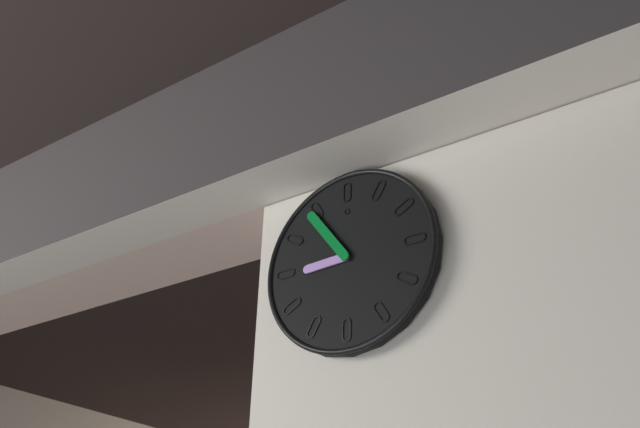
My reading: 8:54
